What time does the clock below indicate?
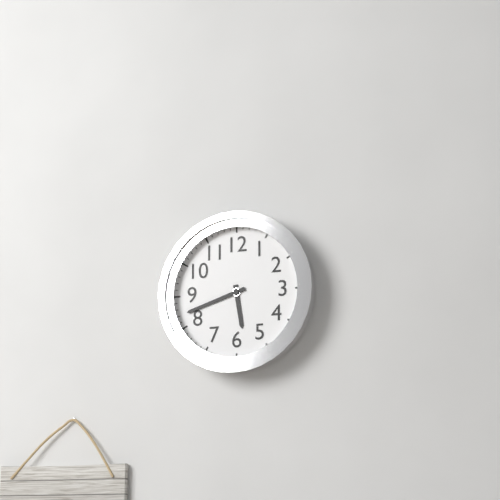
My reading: 5:42
